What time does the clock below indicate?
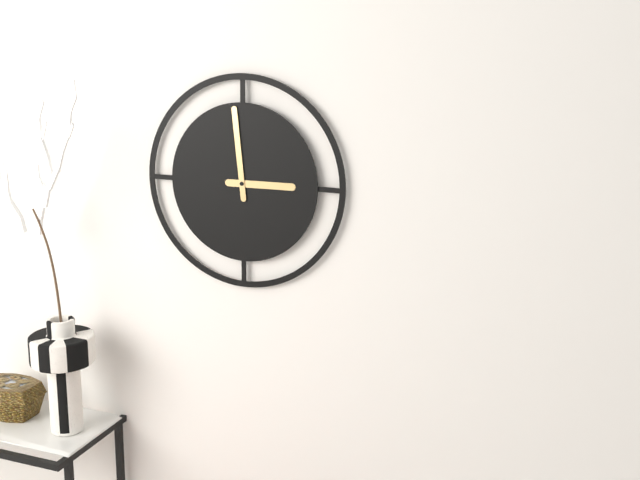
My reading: 2:59
